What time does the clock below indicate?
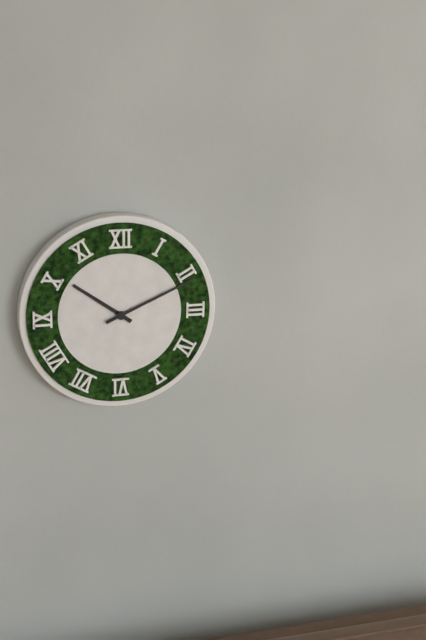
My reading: 10:11
